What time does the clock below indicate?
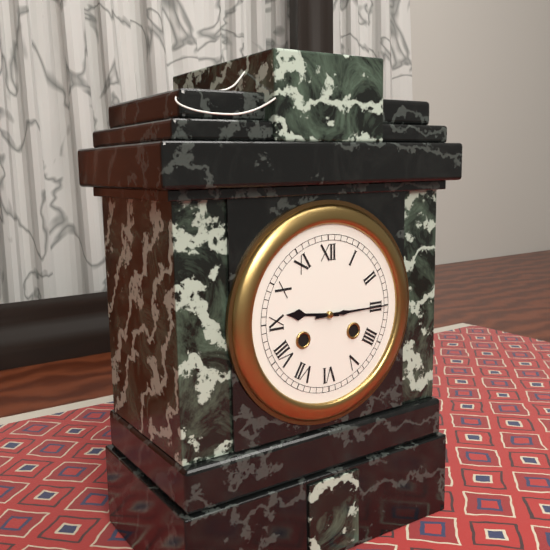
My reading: 9:15
